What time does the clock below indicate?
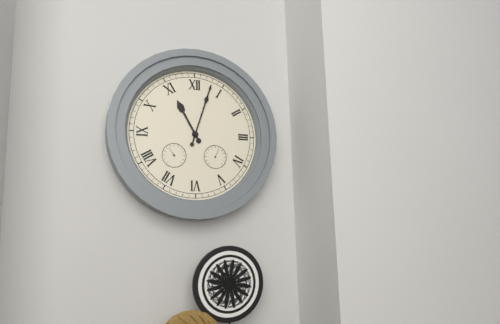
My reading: 11:03
